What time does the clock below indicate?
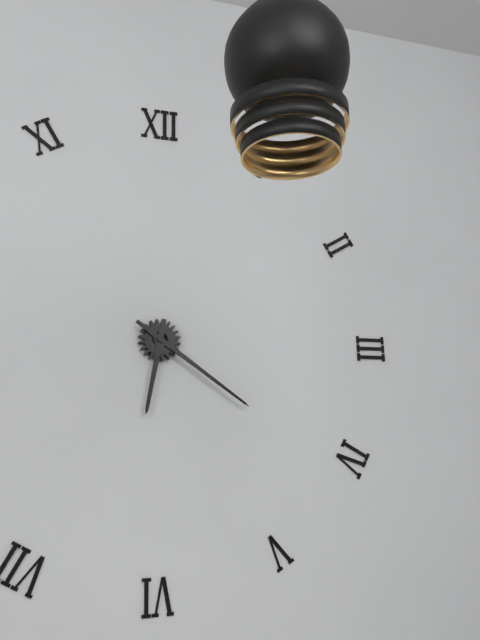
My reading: 6:21
